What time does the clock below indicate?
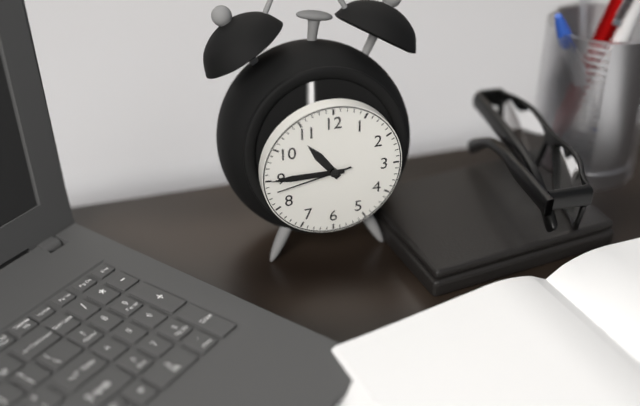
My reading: 10:45:43
